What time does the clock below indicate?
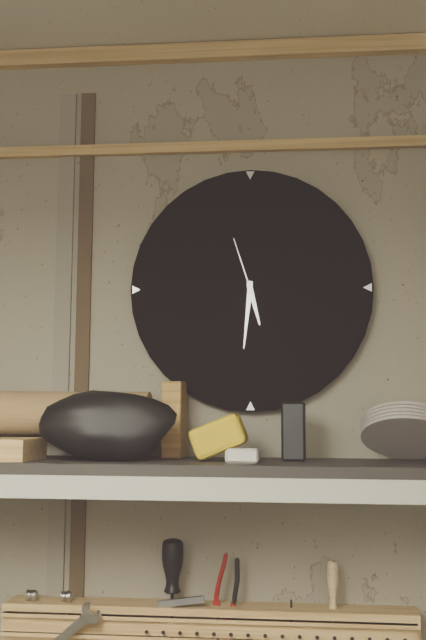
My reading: 5:31:57
